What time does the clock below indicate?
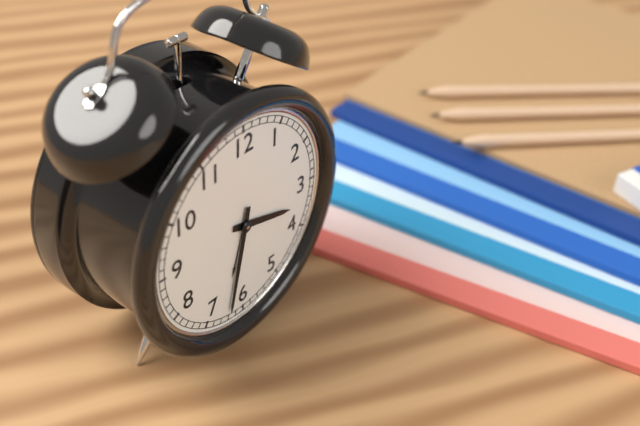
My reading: 3:32
